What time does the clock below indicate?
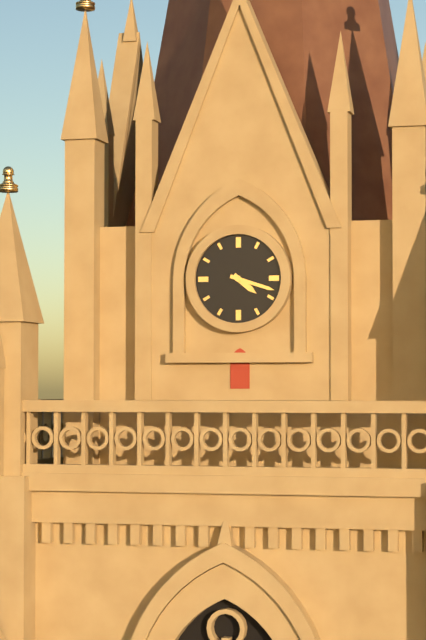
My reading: 4:18
